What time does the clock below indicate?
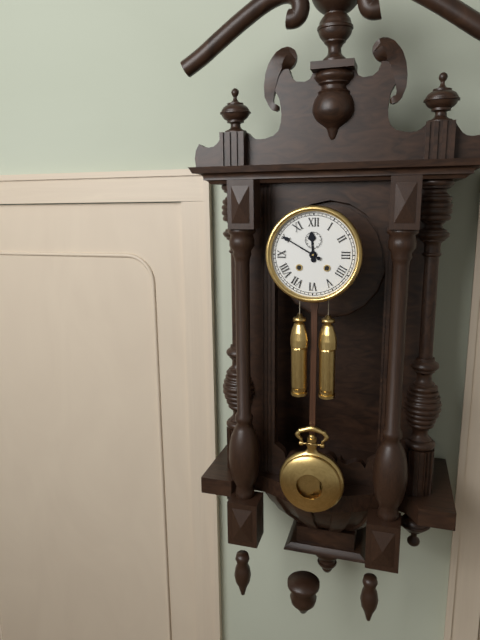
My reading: 11:50
